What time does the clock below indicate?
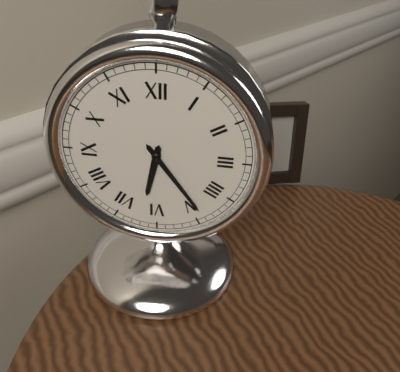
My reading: 6:24
